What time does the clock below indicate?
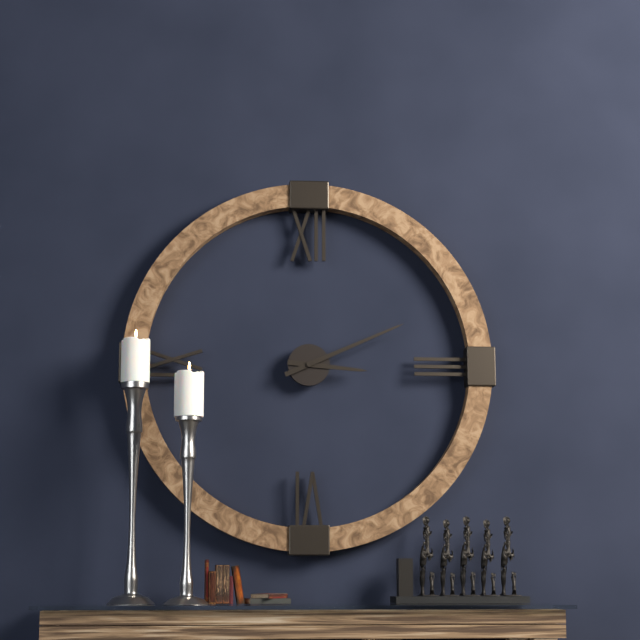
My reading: 3:11
